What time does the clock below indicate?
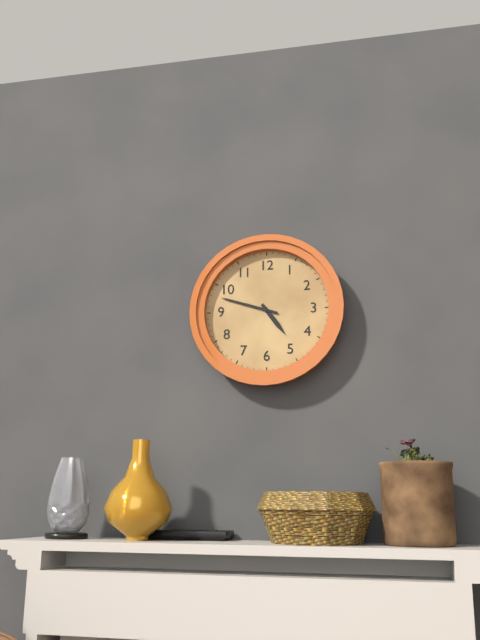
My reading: 4:48
